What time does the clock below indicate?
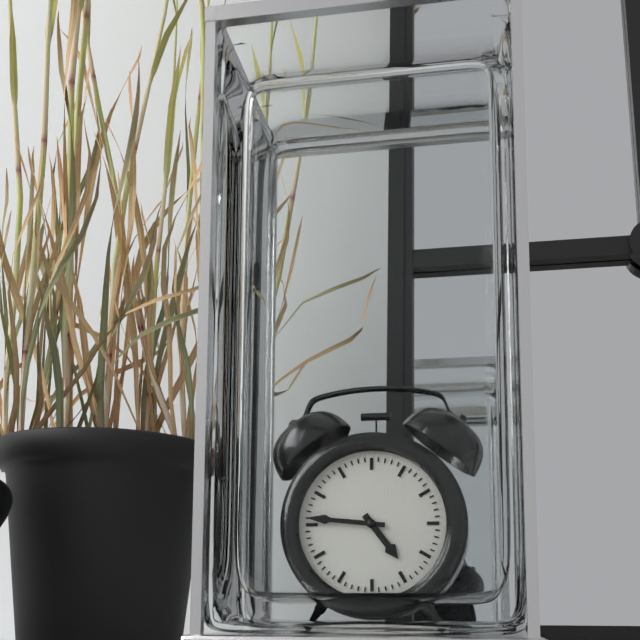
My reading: 4:46
